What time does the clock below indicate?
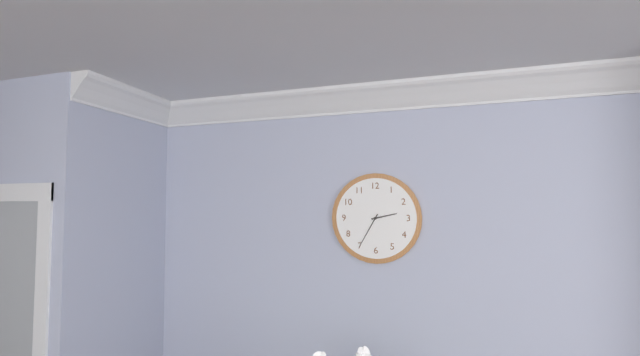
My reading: 2:35
